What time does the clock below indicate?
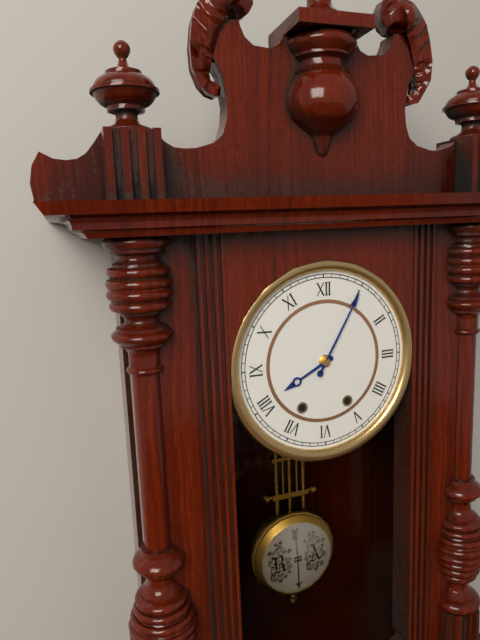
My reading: 8:05
